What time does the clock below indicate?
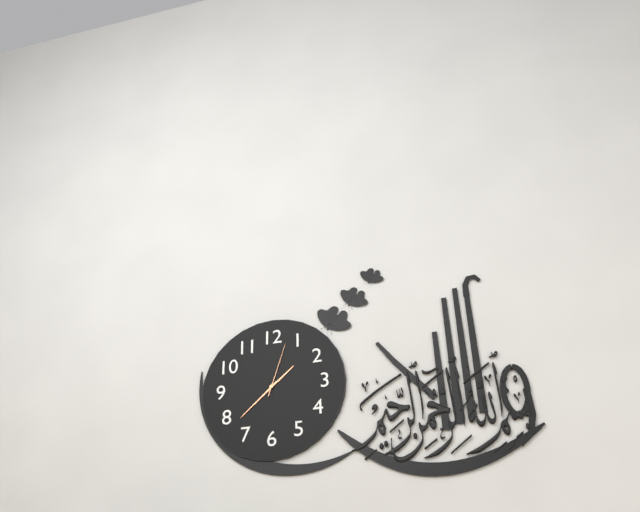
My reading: 1:38:03
